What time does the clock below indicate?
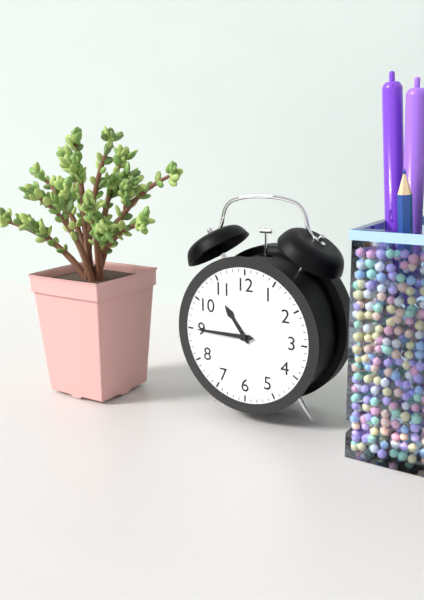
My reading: 10:45
